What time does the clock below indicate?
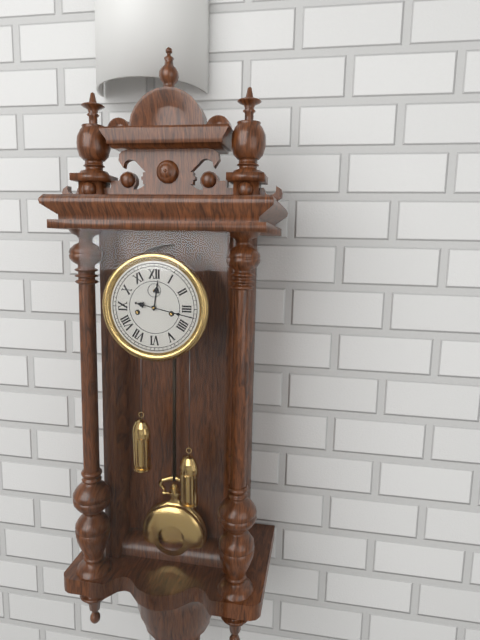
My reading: 12:17
